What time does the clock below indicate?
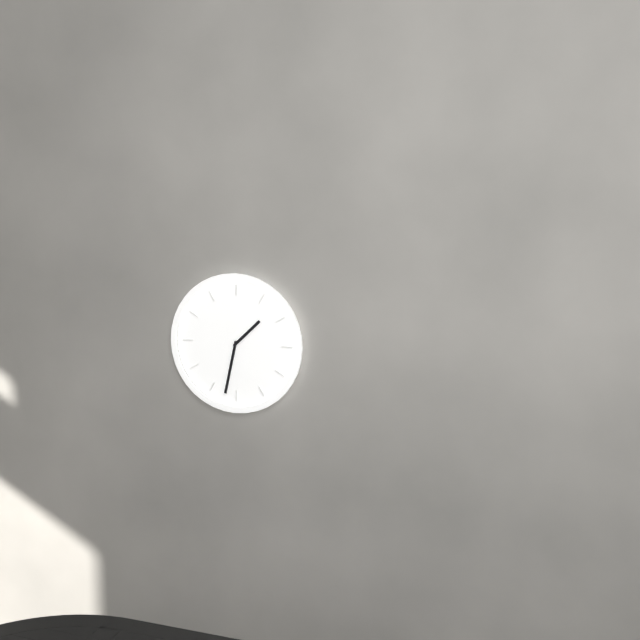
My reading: 1:32
